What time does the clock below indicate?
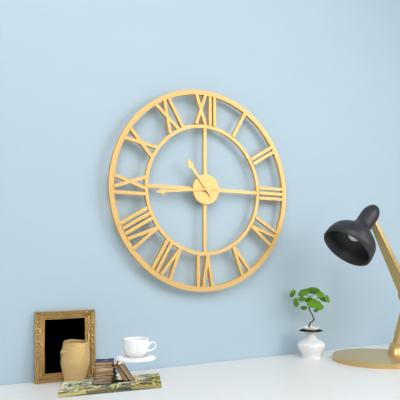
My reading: 10:44
